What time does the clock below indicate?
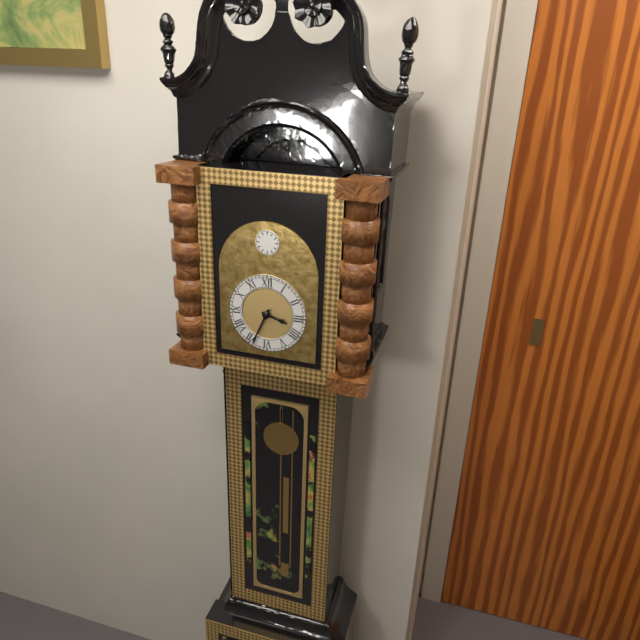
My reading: 3:34
